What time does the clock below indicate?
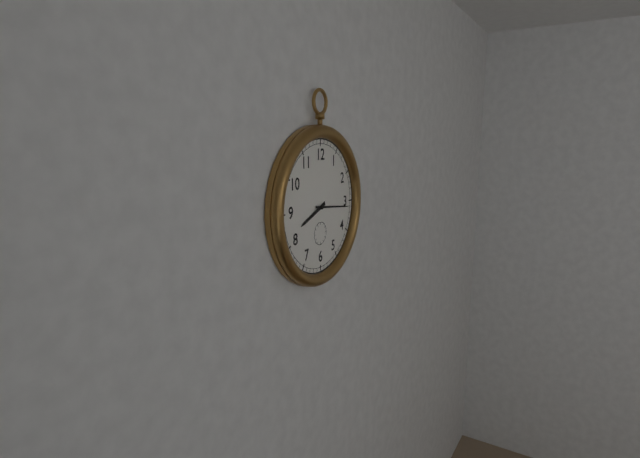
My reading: 8:16
